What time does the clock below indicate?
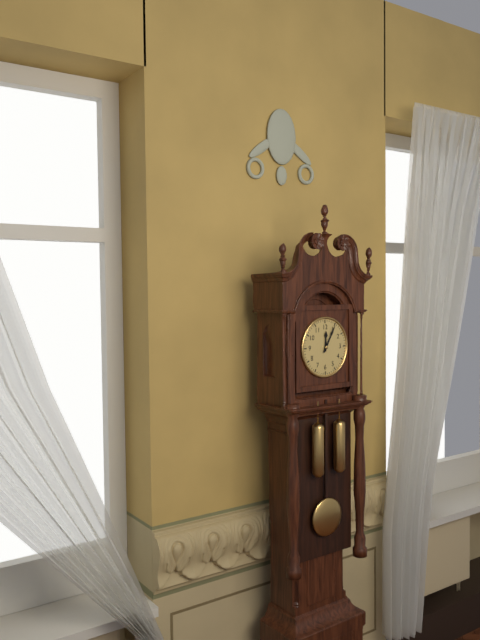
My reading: 12:05
